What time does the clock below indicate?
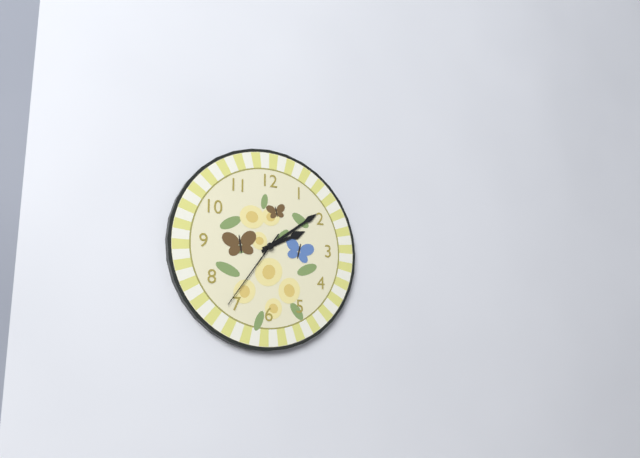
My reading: 2:09:36
